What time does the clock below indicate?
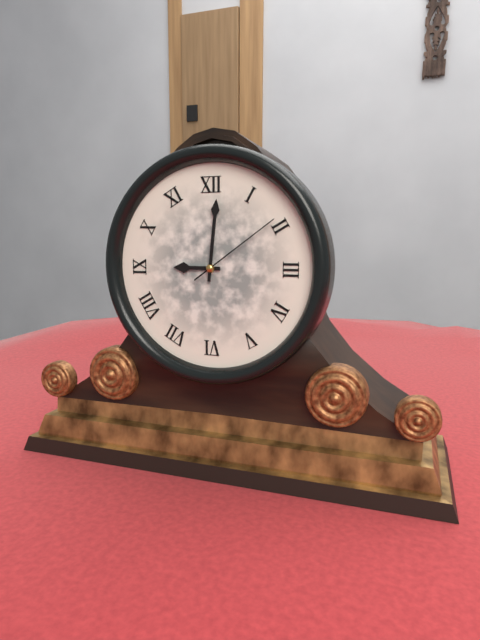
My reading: 9:01:09
